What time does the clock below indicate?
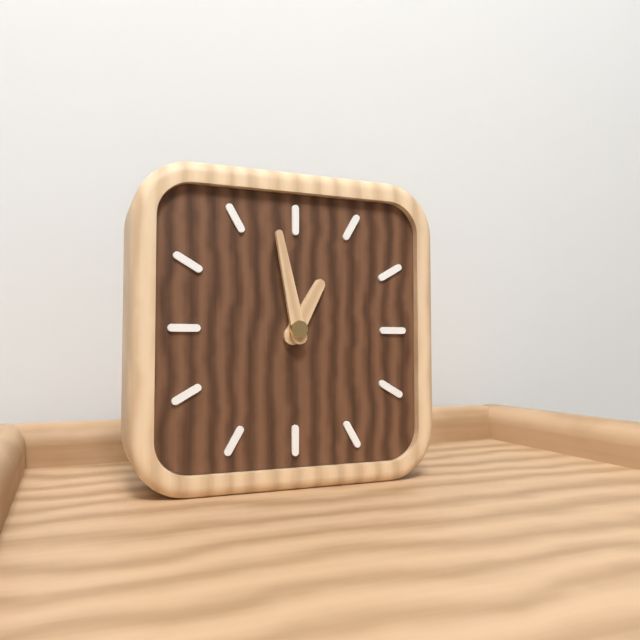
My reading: 12:58
